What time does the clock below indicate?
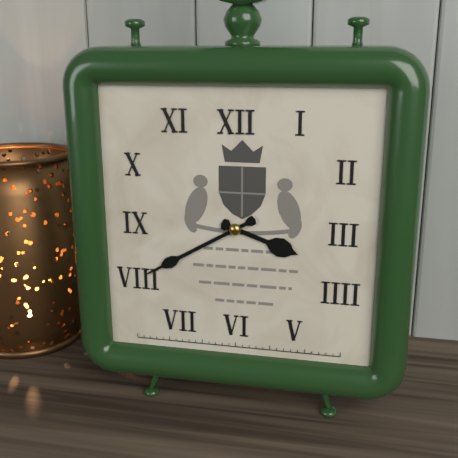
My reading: 3:40
